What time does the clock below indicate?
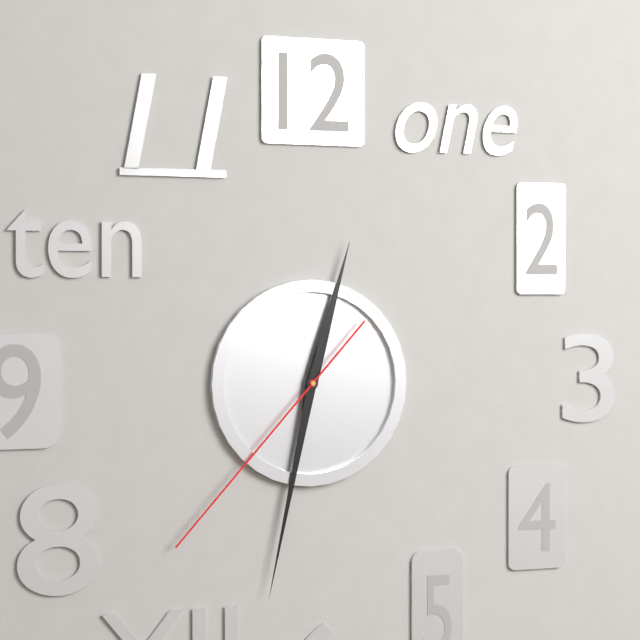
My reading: 12:32:37
